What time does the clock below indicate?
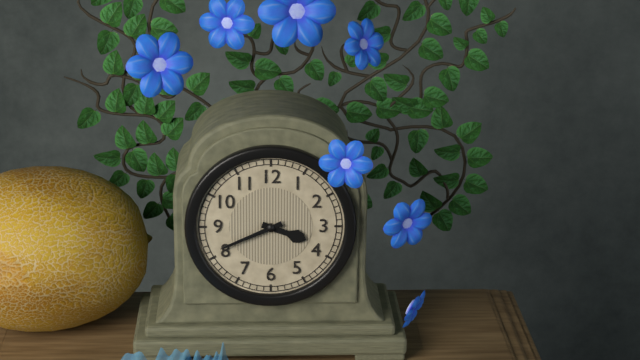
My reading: 3:41
